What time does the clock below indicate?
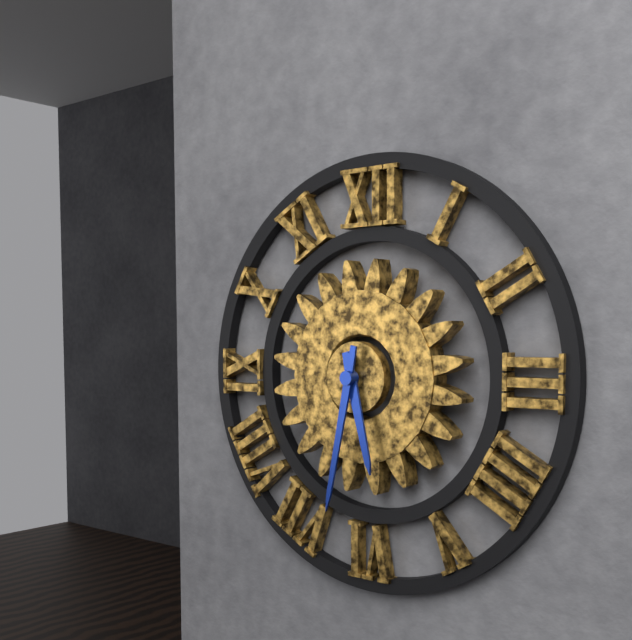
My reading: 5:32
